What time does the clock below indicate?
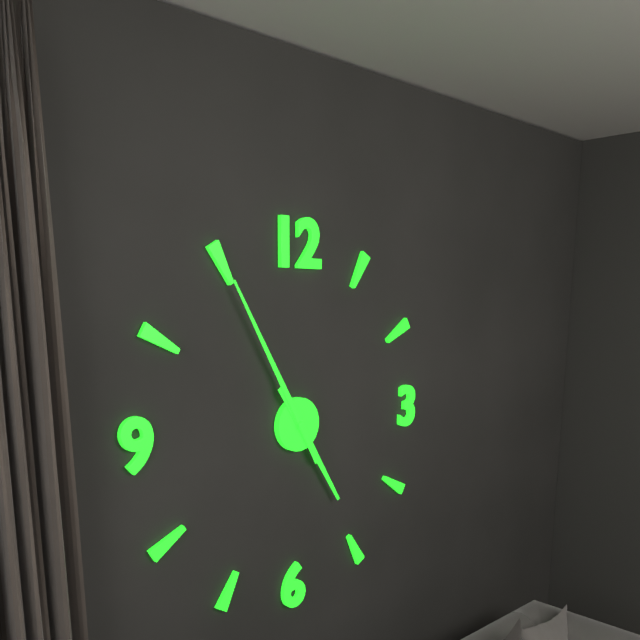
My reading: 4:55
